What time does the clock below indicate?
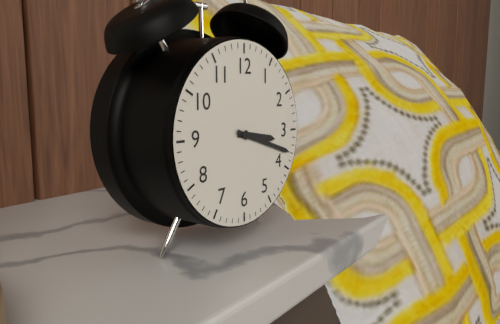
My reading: 3:18
